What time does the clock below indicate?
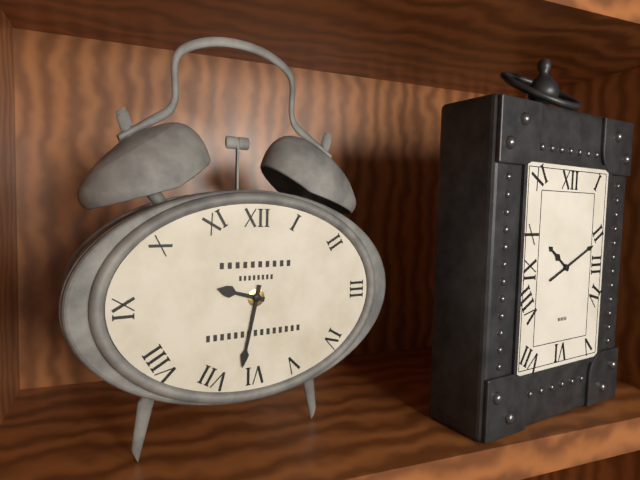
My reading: 9:32
